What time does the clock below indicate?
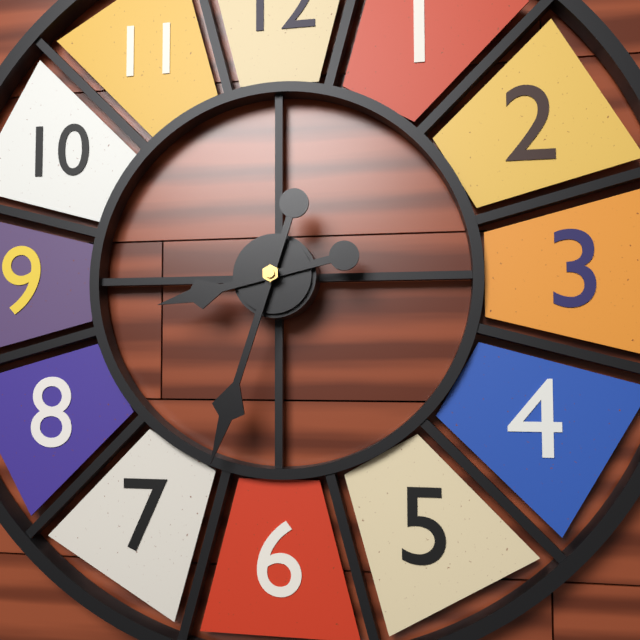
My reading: 8:33
